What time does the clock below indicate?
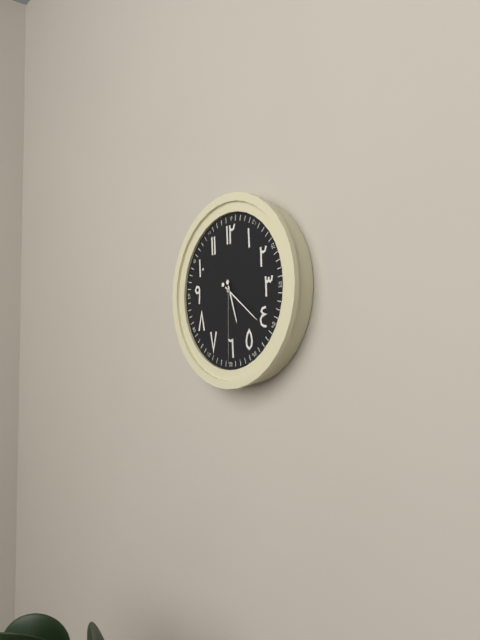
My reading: 5:21:30
